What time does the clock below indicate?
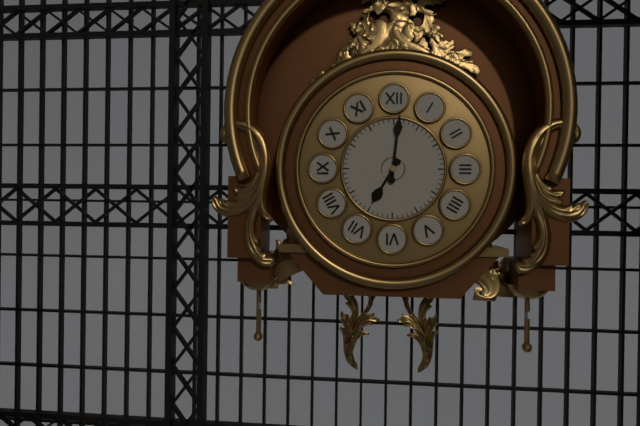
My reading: 7:01
